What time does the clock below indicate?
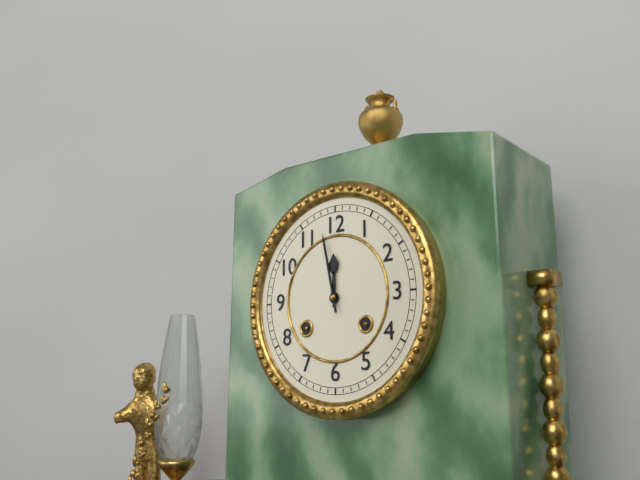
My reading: 11:58
